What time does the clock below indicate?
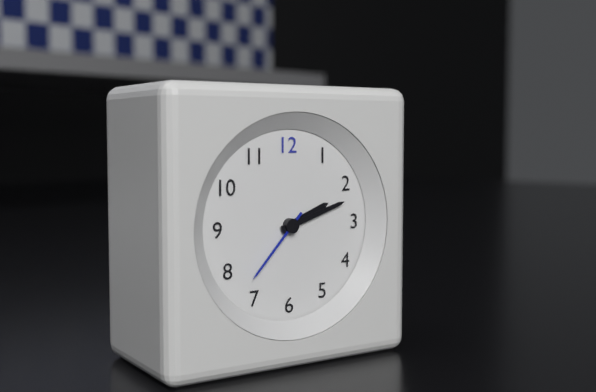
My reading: 2:12:37
